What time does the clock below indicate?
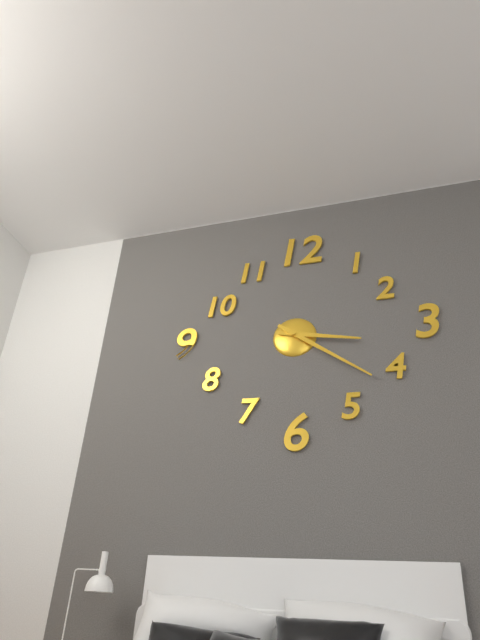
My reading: 3:21
